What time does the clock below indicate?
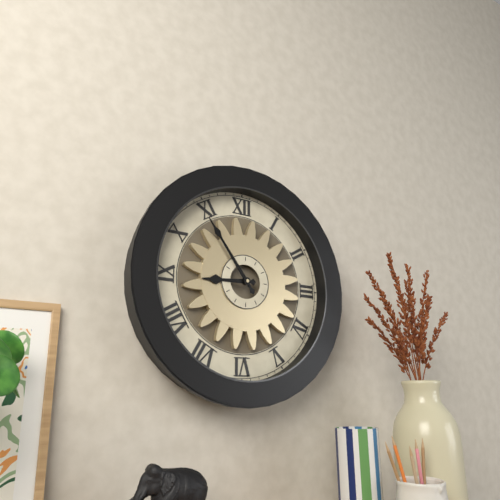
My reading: 8:54
